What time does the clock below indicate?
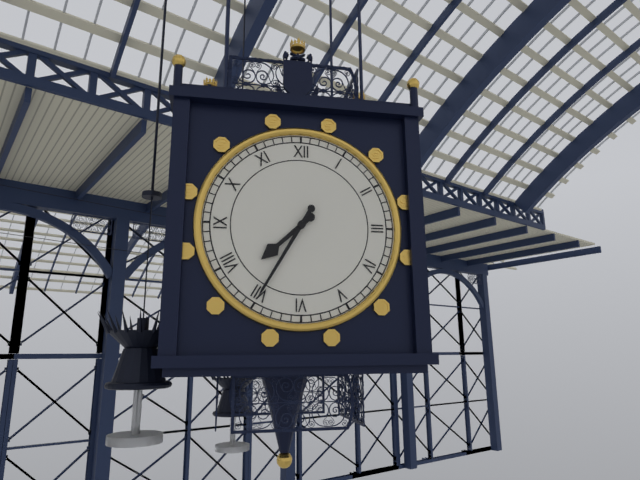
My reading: 7:35
